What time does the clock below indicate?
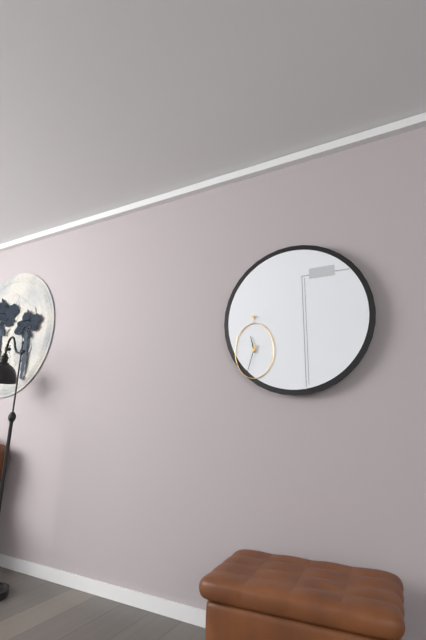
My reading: 11:33
